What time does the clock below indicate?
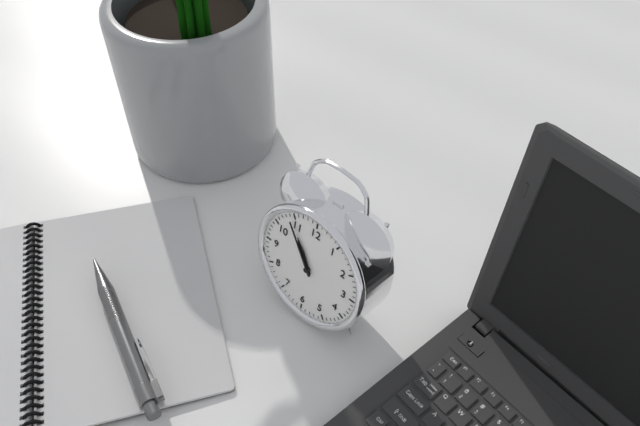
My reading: 10:54
